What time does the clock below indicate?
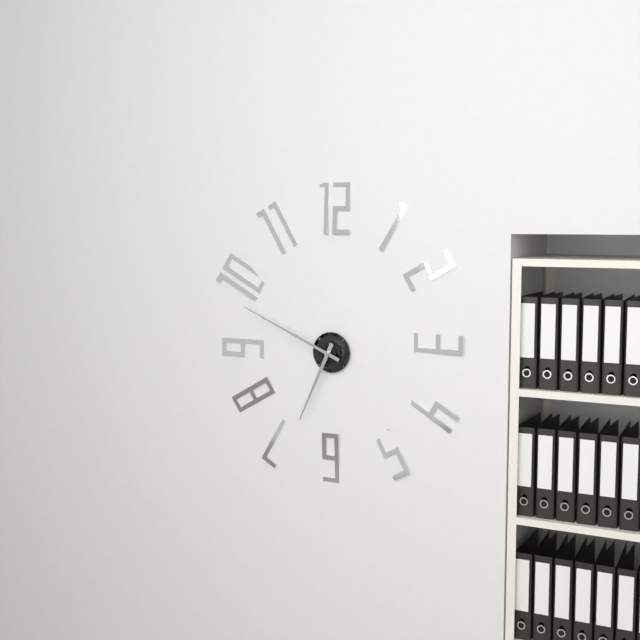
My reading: 6:49
